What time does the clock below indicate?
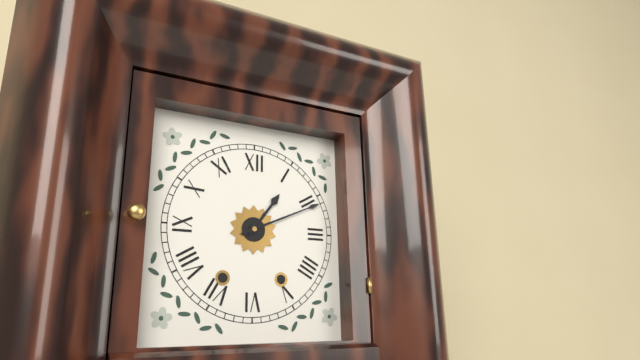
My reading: 1:11
